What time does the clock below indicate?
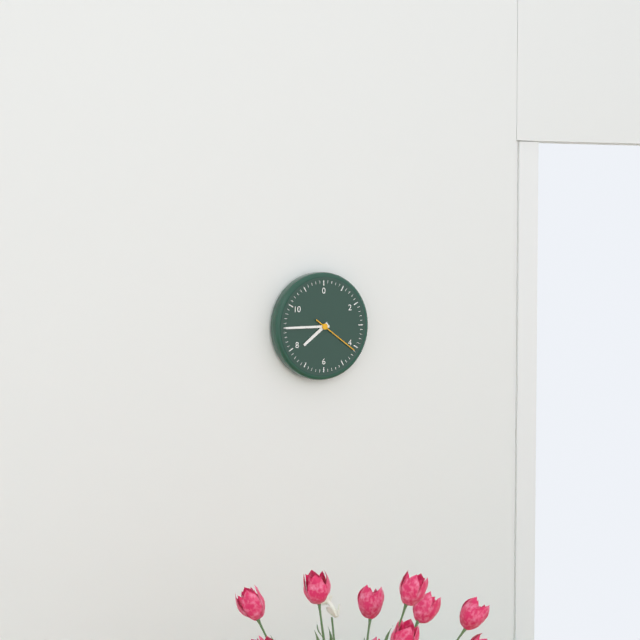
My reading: 7:45:21
